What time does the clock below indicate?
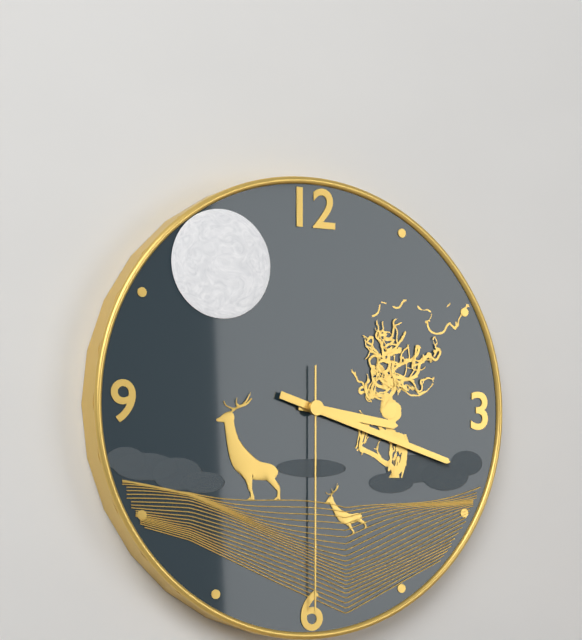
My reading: 3:18:30
